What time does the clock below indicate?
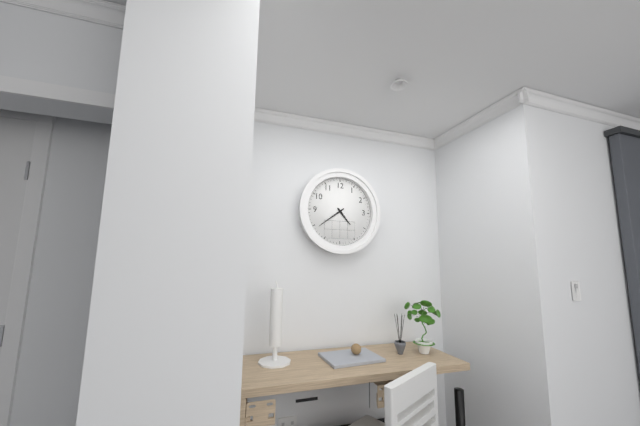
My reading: 4:39
